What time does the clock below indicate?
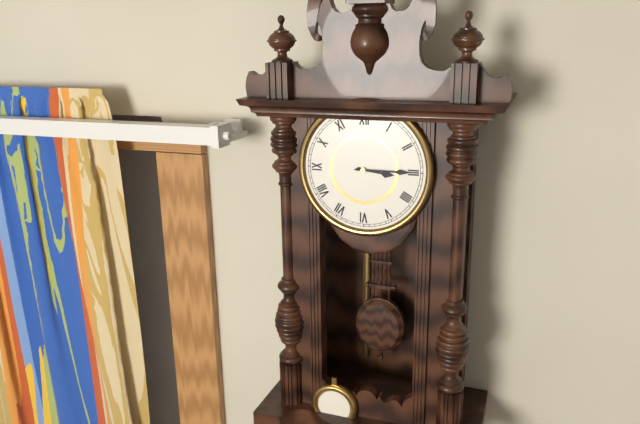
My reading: 3:15
